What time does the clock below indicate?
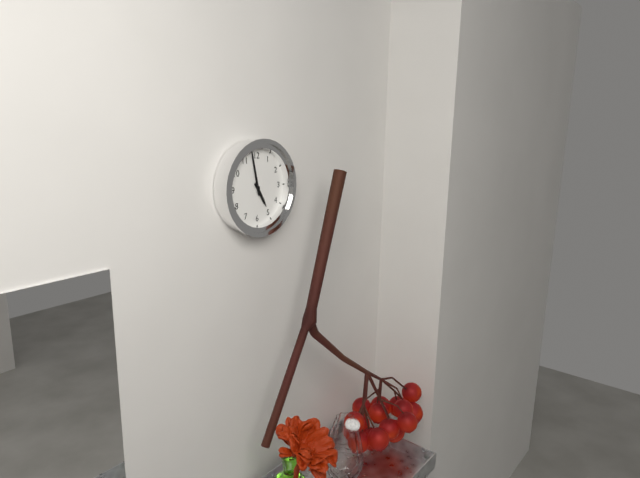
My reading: 4:58
